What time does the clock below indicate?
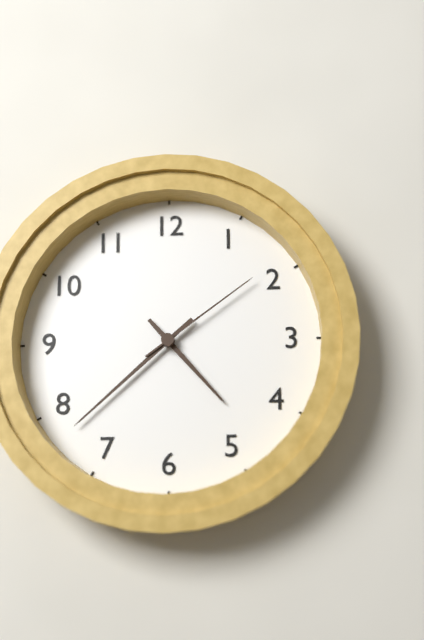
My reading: 4:38:09
